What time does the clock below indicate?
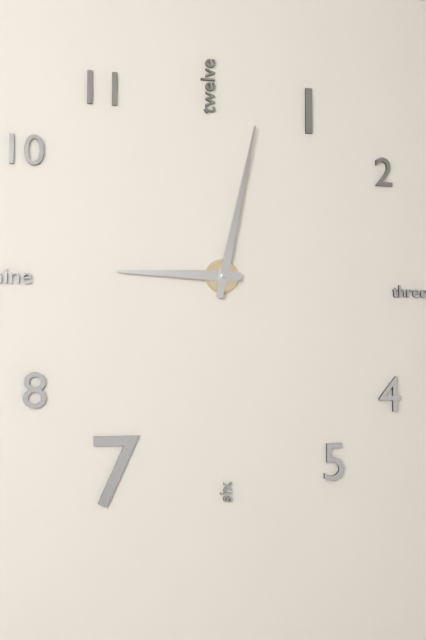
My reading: 9:02
